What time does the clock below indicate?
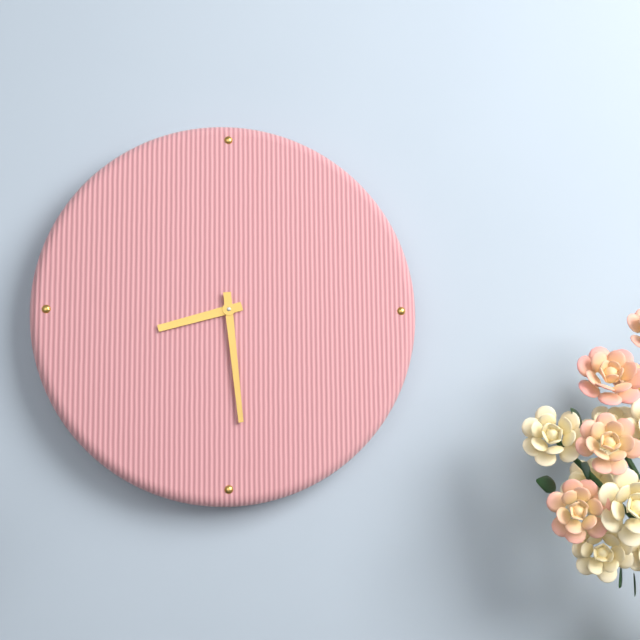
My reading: 8:29
